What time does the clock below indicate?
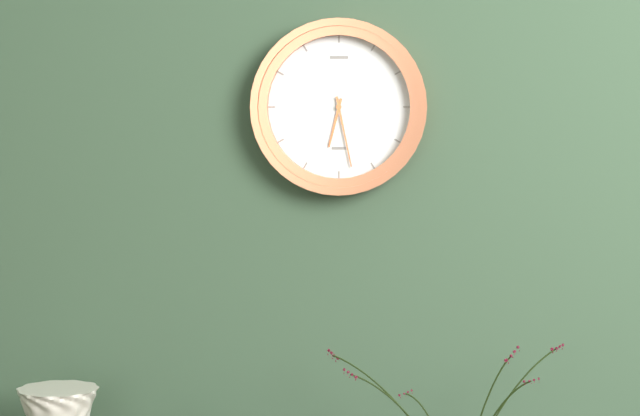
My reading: 6:28
